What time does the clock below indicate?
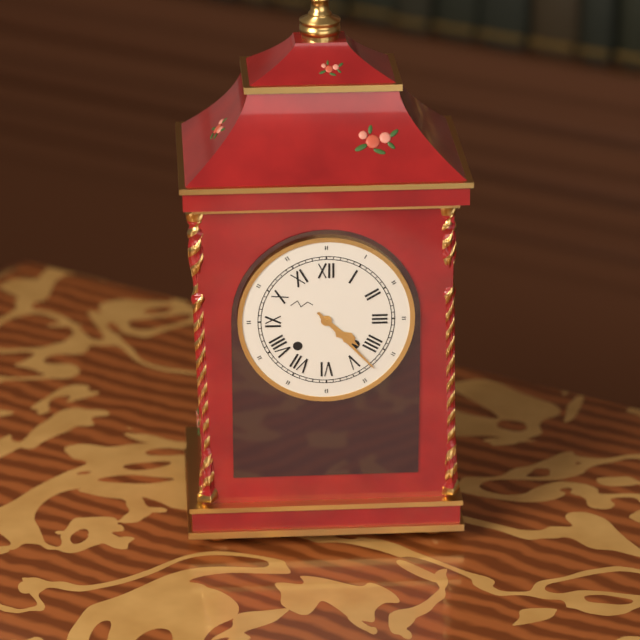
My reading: 4:23
